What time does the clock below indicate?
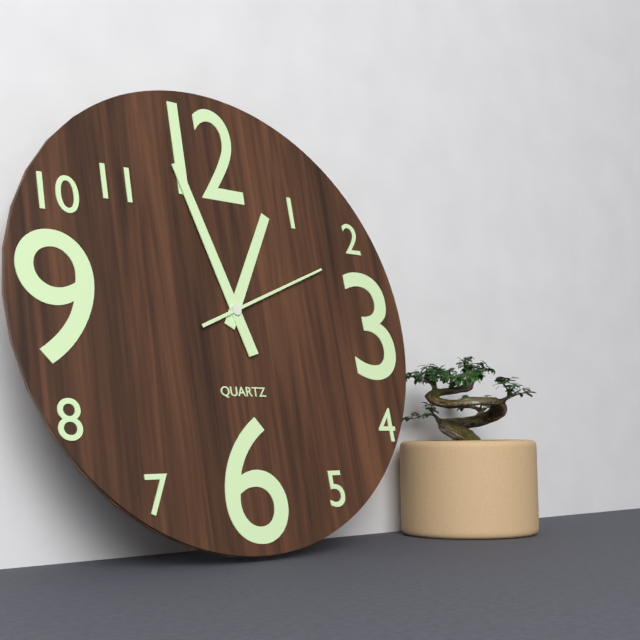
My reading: 12:57:11
